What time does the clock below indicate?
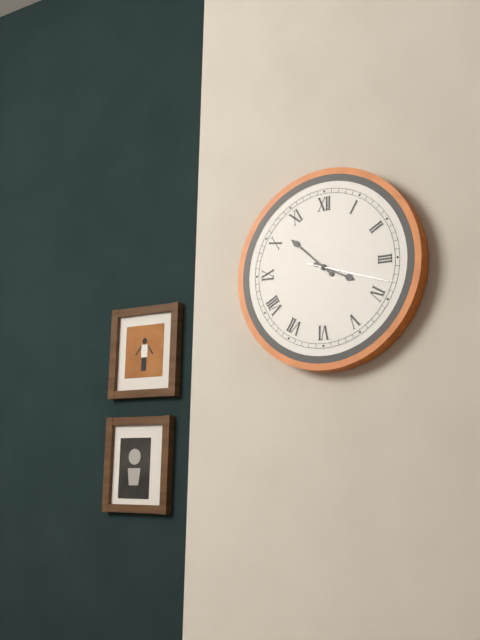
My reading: 3:52:18
